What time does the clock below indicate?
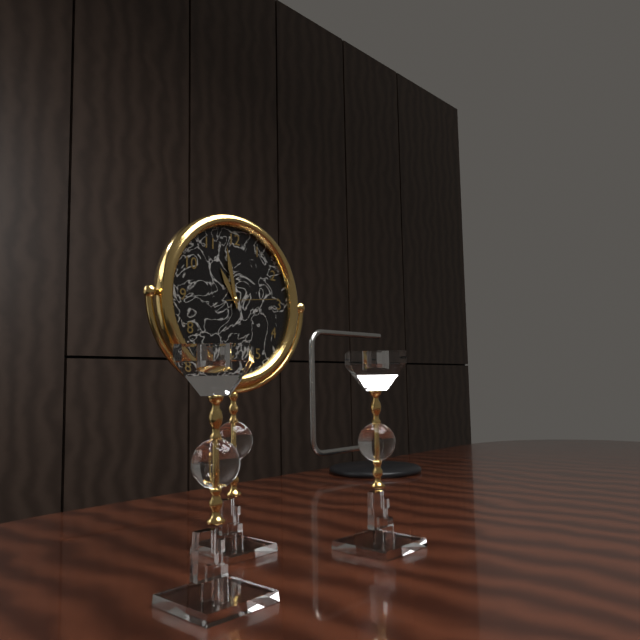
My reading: 10:58:14
